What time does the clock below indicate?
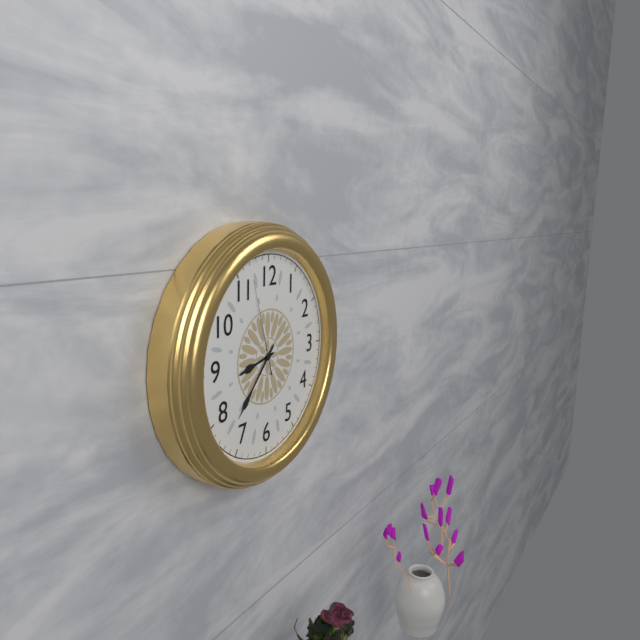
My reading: 8:37:57
